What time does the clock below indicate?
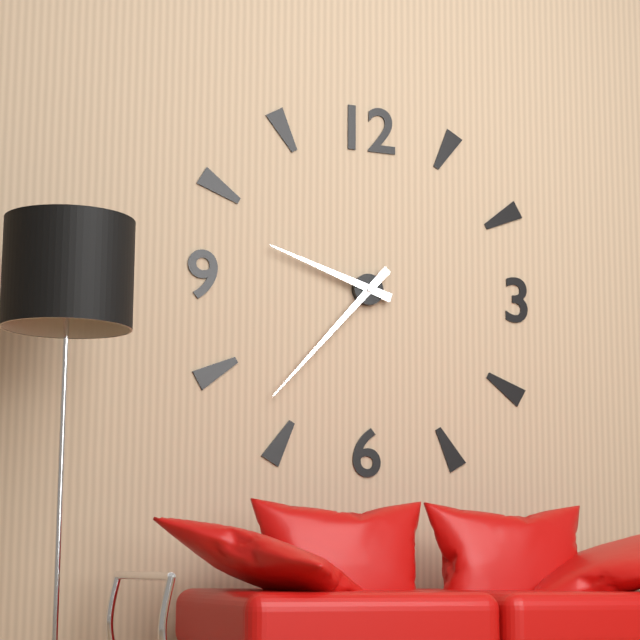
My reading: 9:37
